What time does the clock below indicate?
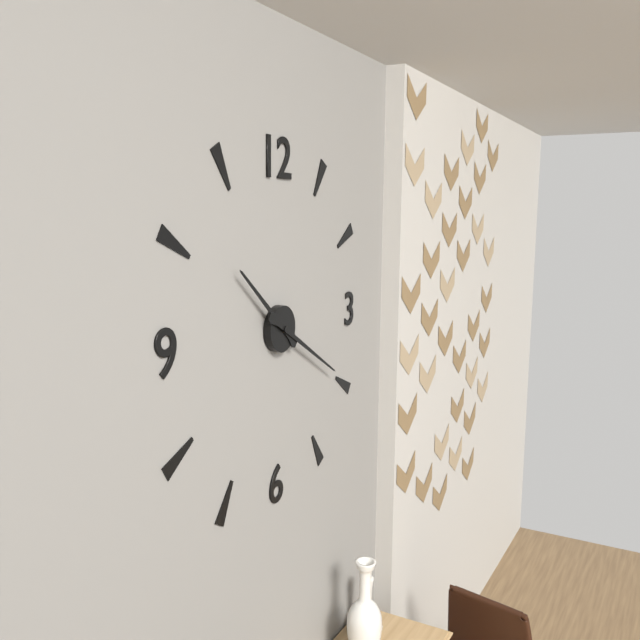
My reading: 10:20
